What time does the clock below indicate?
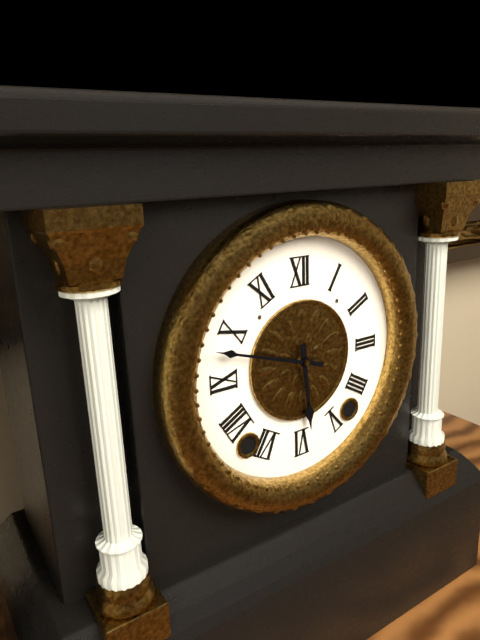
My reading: 5:48
